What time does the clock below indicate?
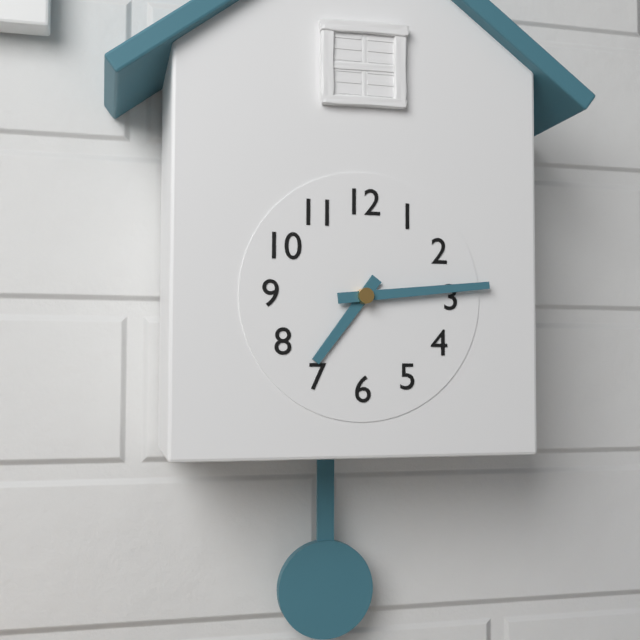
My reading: 7:14
